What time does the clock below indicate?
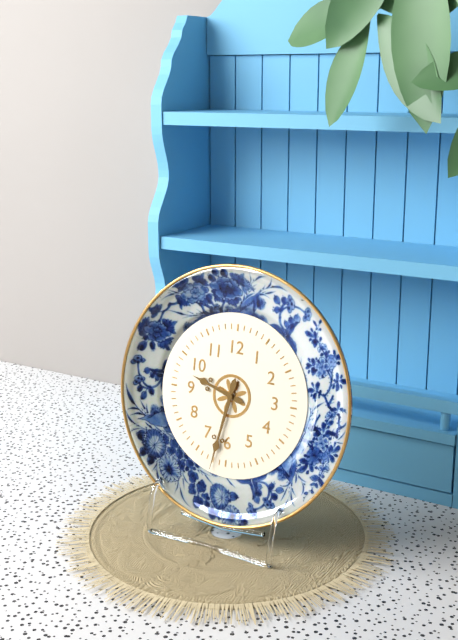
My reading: 9:32
